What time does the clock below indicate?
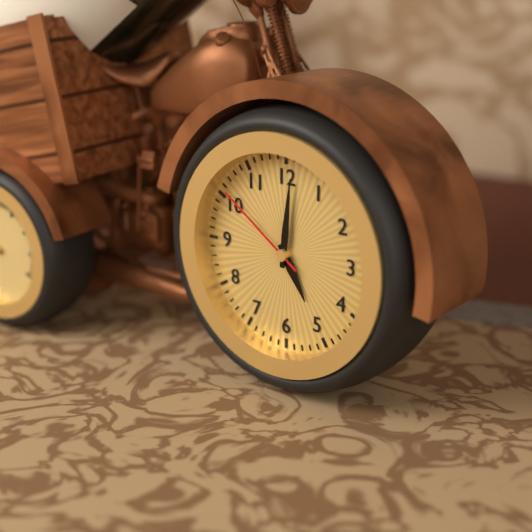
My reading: 5:01:51
